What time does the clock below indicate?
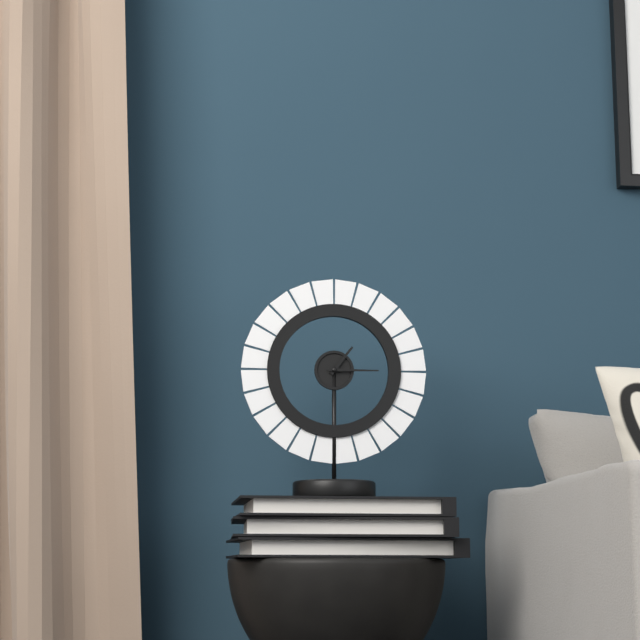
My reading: 1:15
